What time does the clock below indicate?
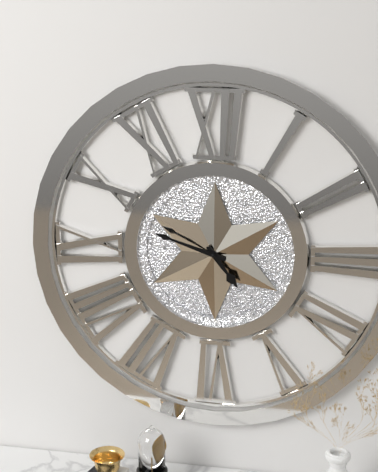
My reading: 4:48
